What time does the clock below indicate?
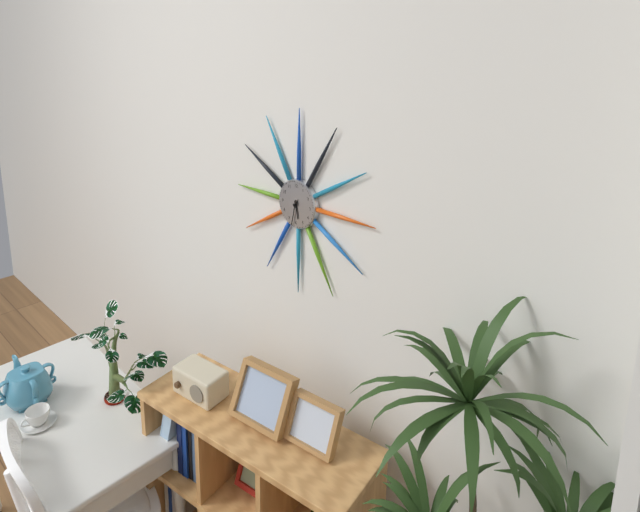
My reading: 5:32
